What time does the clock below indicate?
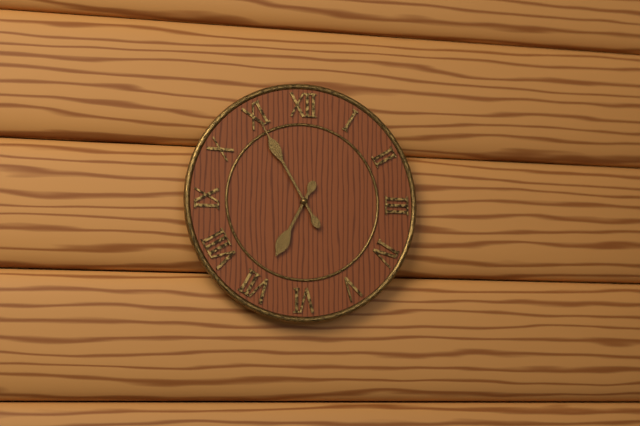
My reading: 6:55
